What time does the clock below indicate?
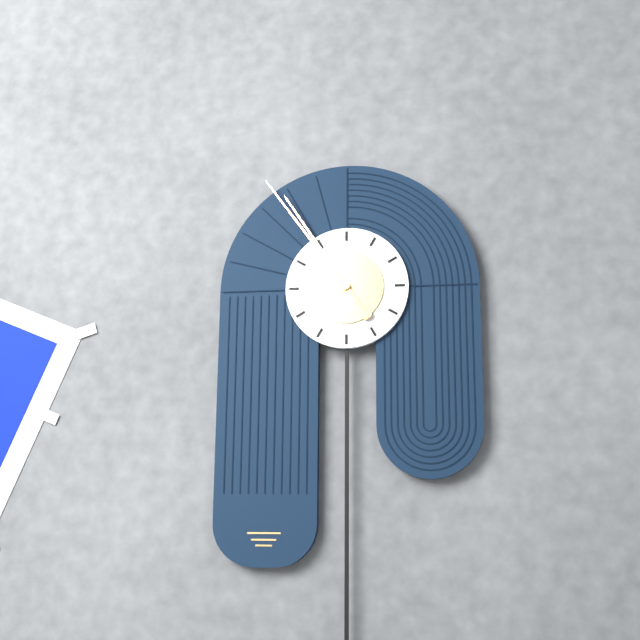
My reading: 10:54
